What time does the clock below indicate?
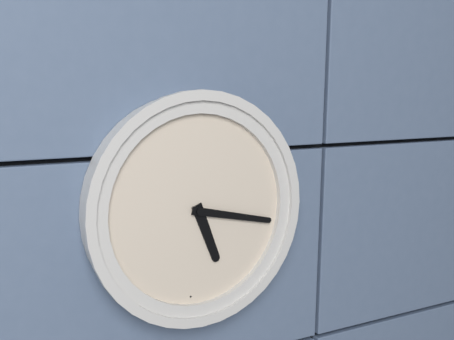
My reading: 5:17
